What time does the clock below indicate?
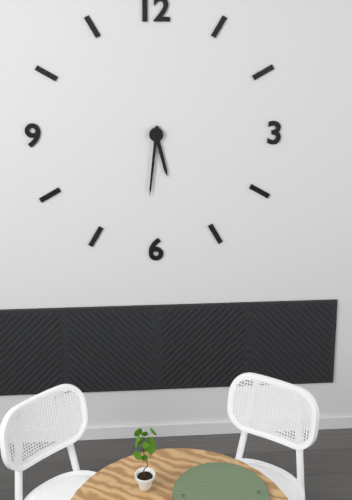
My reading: 5:31
